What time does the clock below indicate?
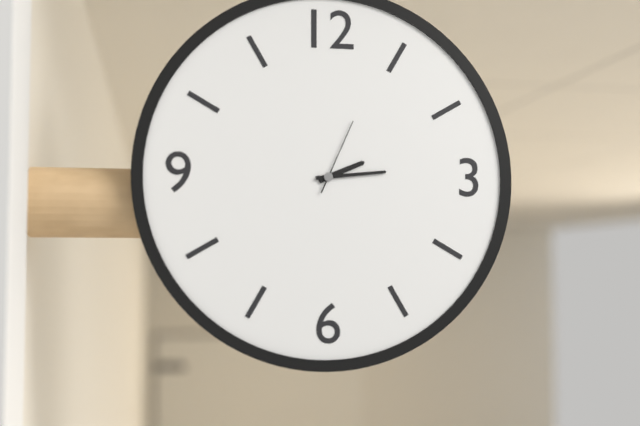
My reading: 2:14:04
